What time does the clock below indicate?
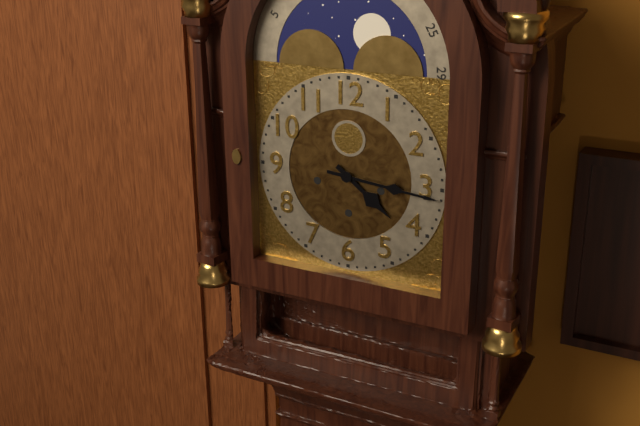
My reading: 4:16
